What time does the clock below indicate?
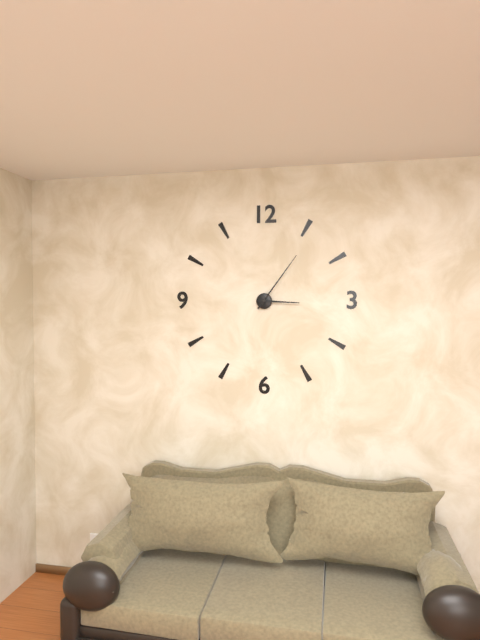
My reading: 3:06
